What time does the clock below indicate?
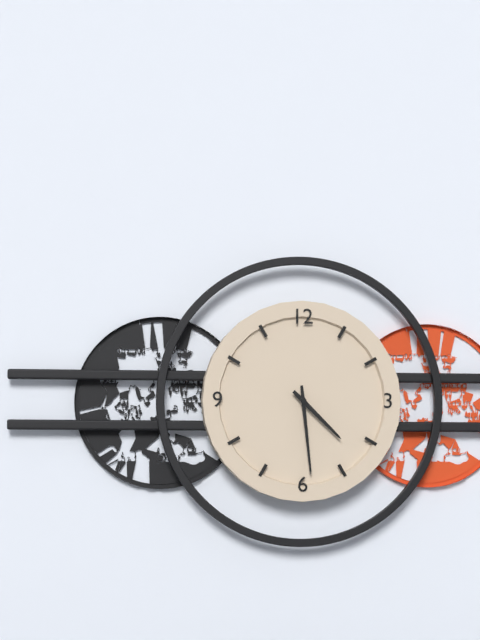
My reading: 4:29
